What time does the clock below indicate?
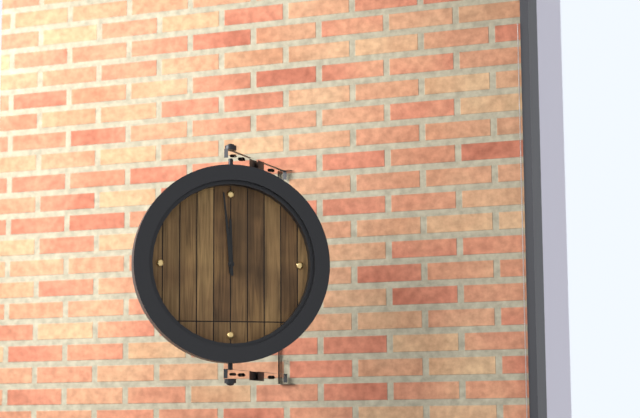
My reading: 11:59
